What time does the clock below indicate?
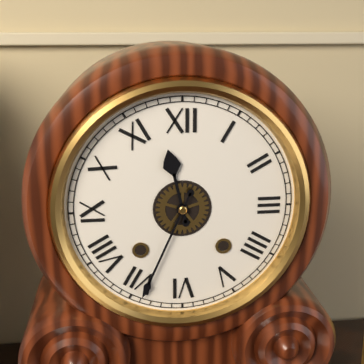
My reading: 11:34
